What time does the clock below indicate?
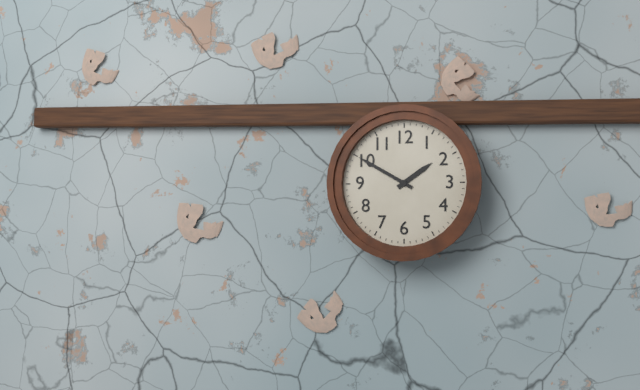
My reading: 1:50
